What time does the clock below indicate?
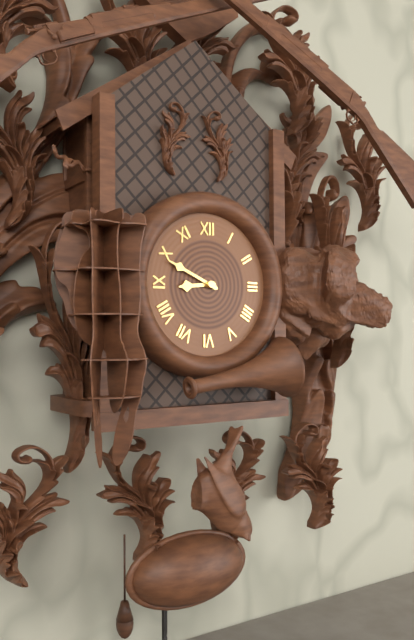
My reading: 8:49
